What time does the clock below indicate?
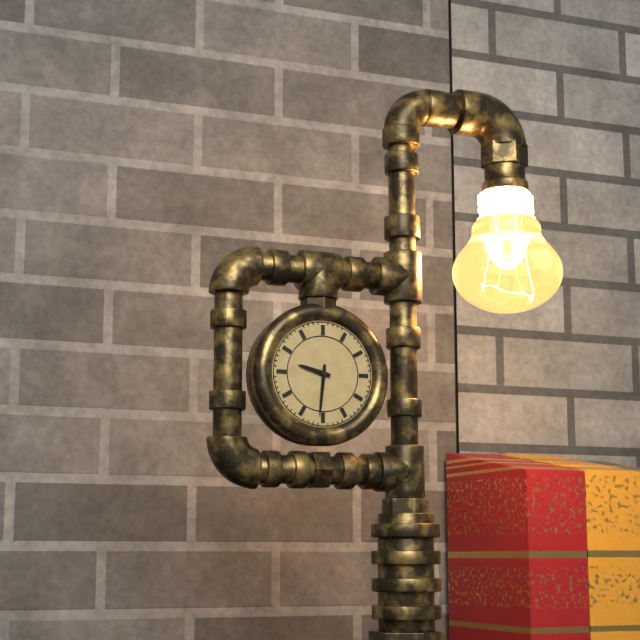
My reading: 9:31
